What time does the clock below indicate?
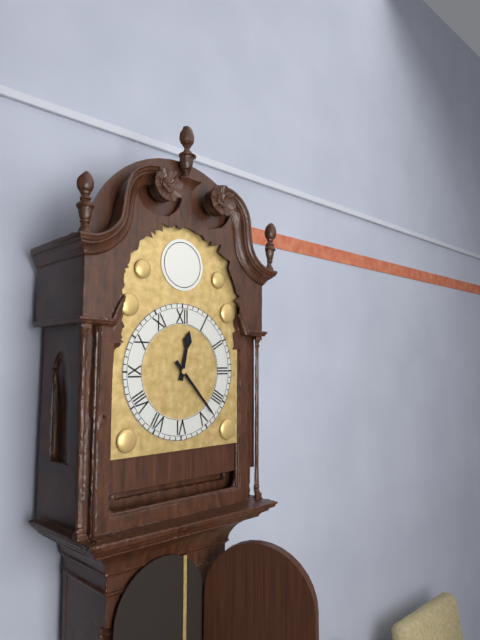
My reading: 12:23
